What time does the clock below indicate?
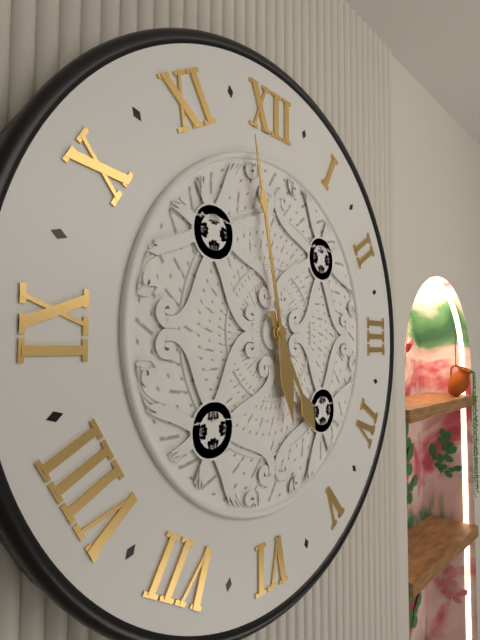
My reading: 4:58
